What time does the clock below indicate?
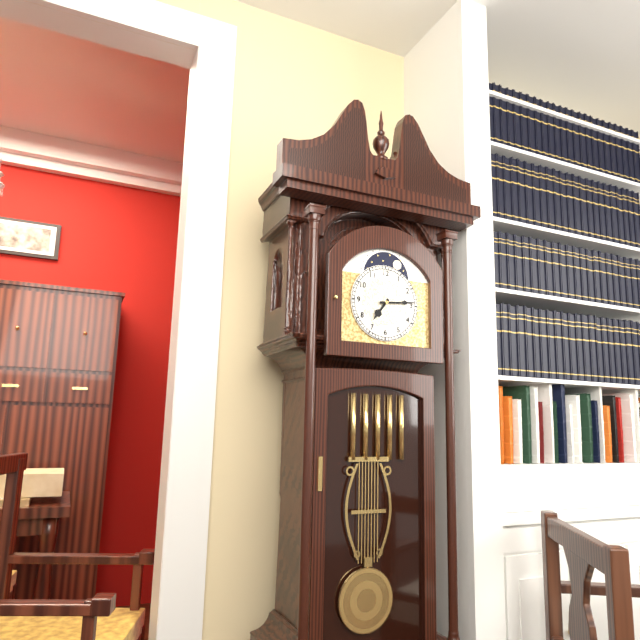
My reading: 7:14
